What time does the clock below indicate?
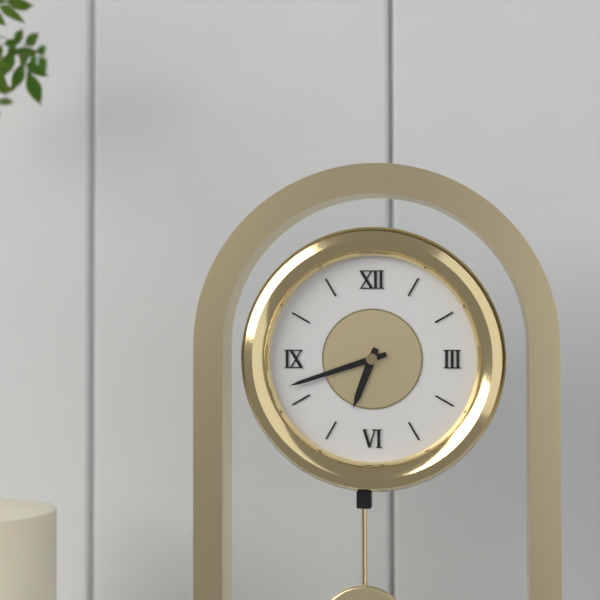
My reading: 6:42
